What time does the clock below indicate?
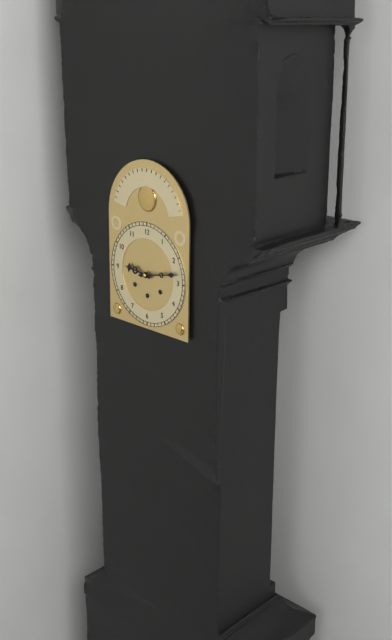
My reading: 9:13
